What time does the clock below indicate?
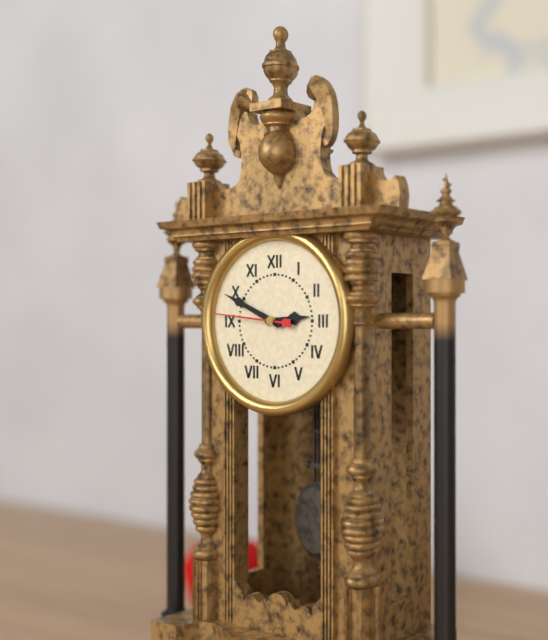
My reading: 2:49:46
